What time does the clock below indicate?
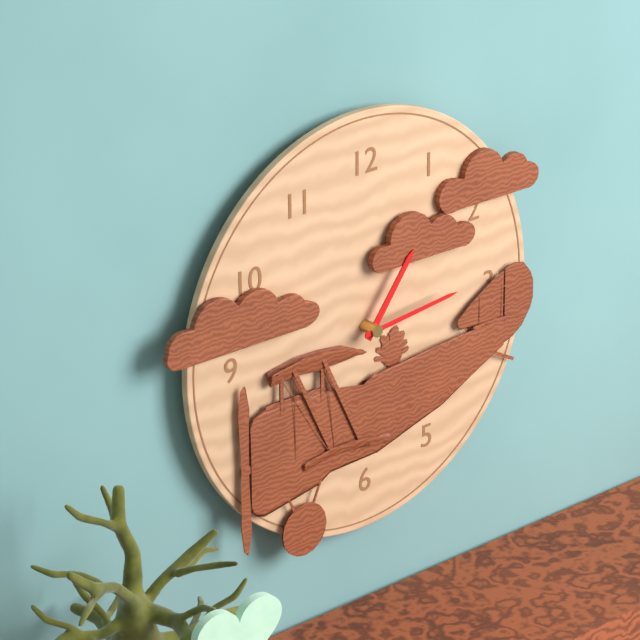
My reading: 1:14
